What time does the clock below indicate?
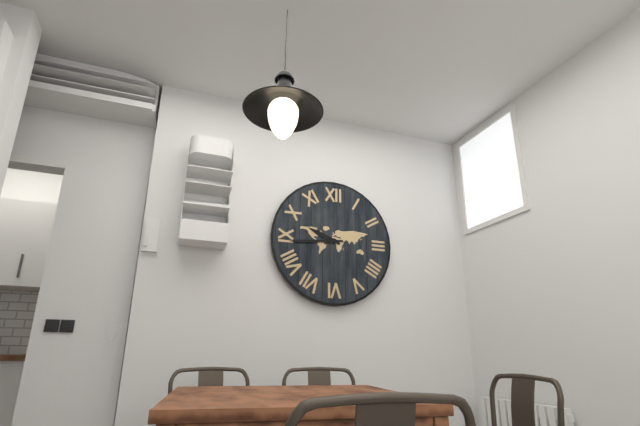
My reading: 9:44
